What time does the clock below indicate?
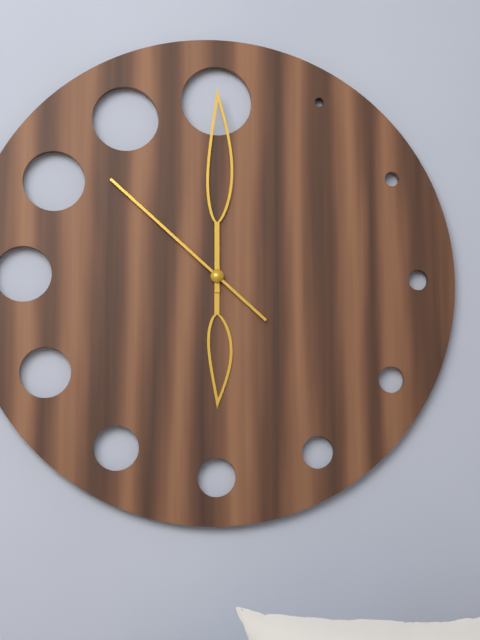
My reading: 6:00:52
